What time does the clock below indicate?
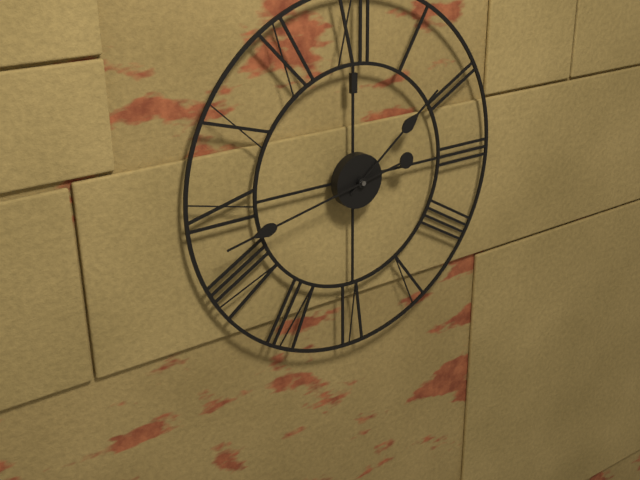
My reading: 1:43
